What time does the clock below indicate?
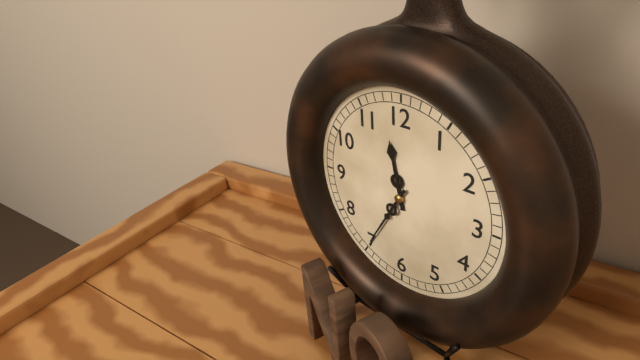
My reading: 11:35
